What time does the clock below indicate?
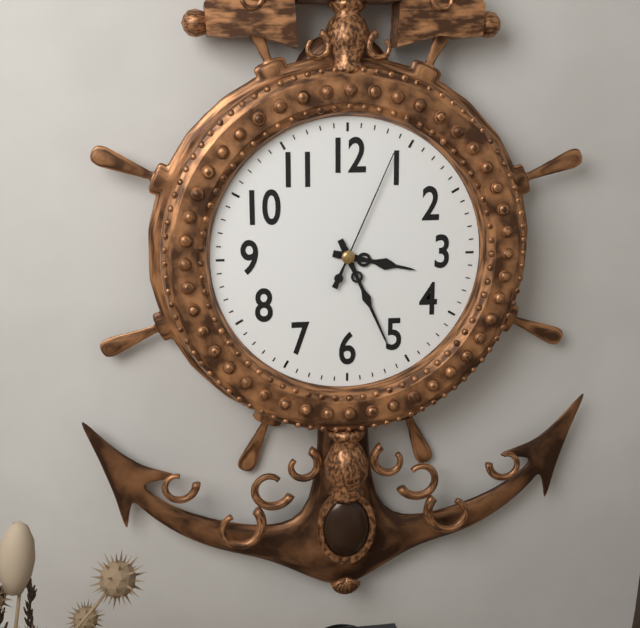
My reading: 3:26:04
